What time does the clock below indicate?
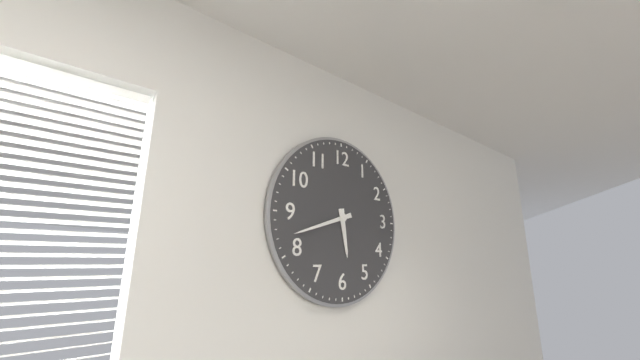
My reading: 5:42
